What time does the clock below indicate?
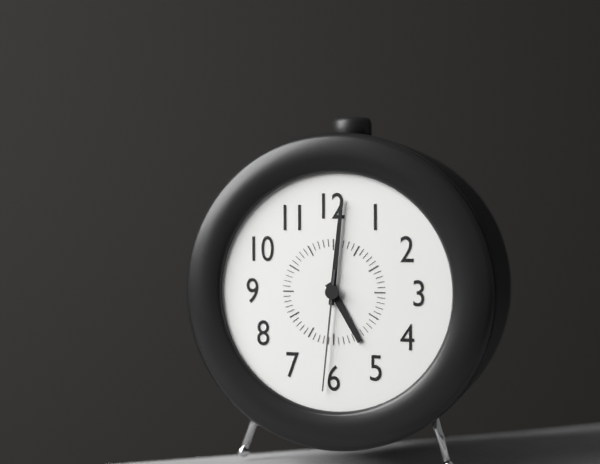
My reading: 5:01:31
